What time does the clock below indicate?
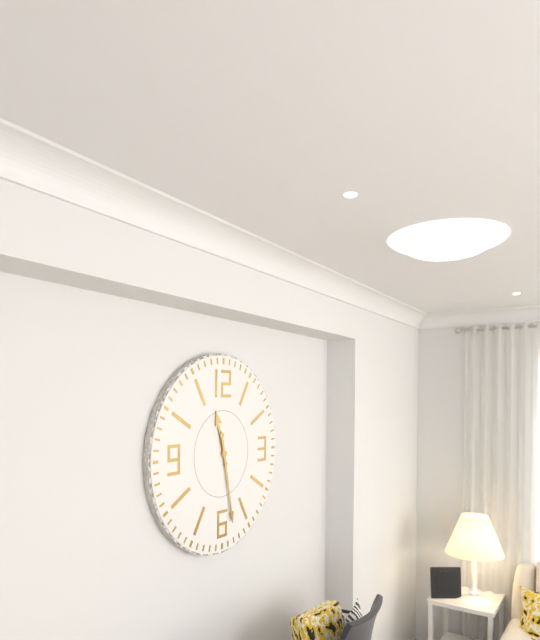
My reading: 11:28
